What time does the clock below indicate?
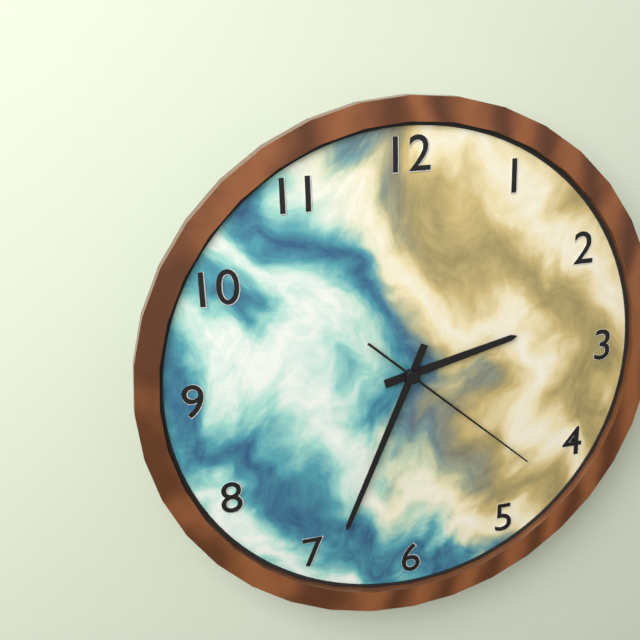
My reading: 2:34:22
